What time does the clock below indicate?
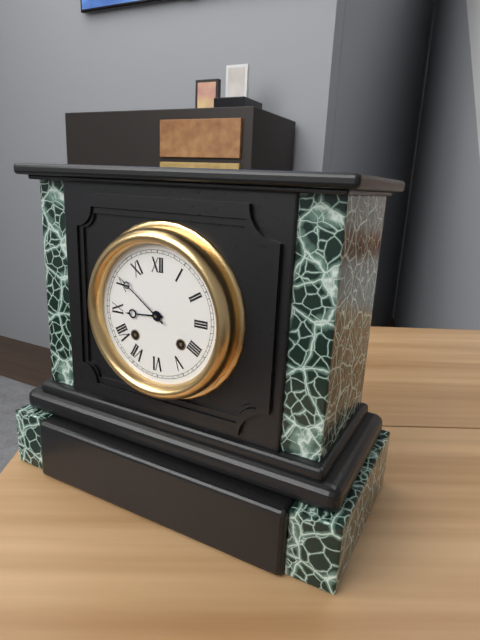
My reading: 8:51
